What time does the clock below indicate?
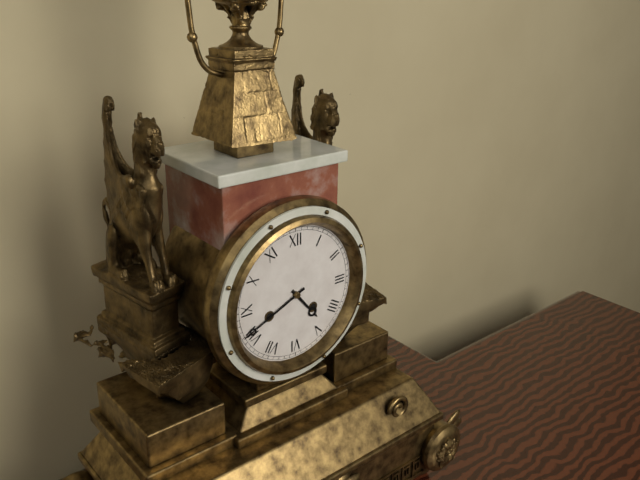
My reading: 4:41
